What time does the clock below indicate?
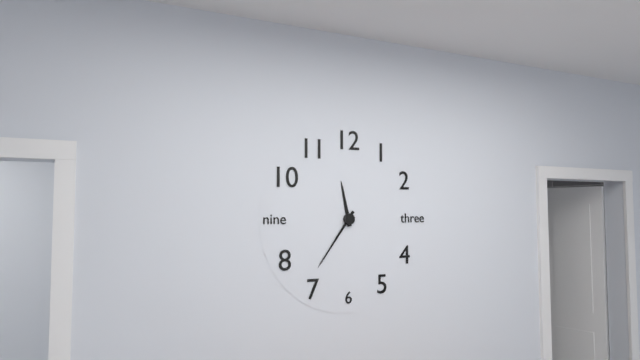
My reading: 11:36
